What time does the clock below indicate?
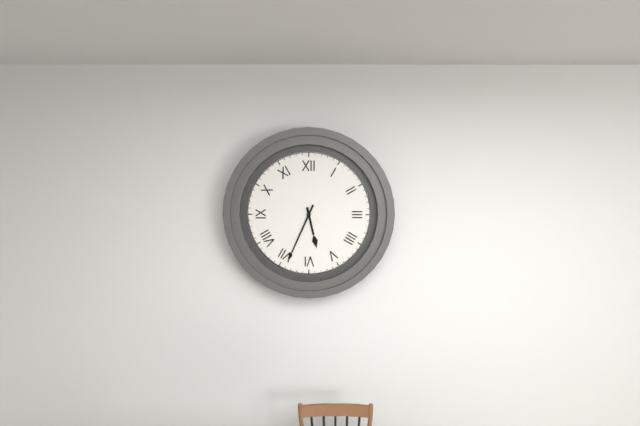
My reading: 5:34
